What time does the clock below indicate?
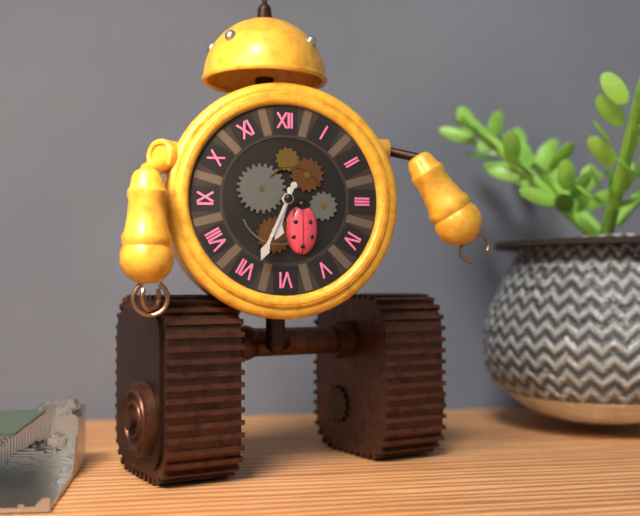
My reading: 6:34
